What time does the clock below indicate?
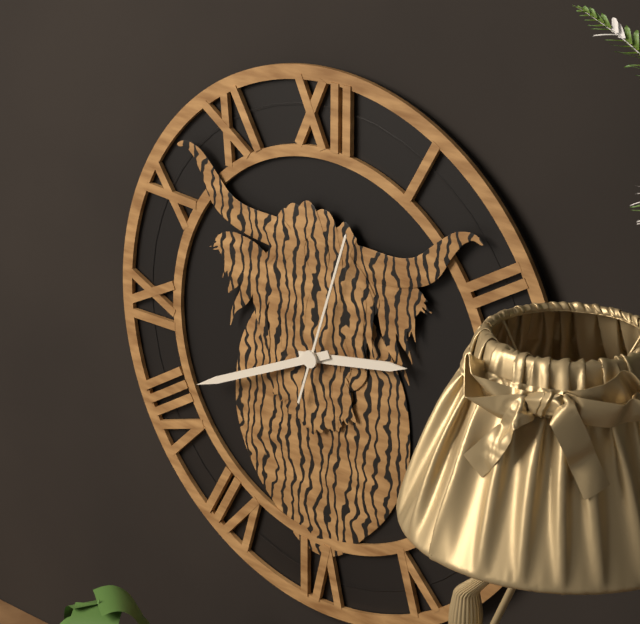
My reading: 2:41:03
